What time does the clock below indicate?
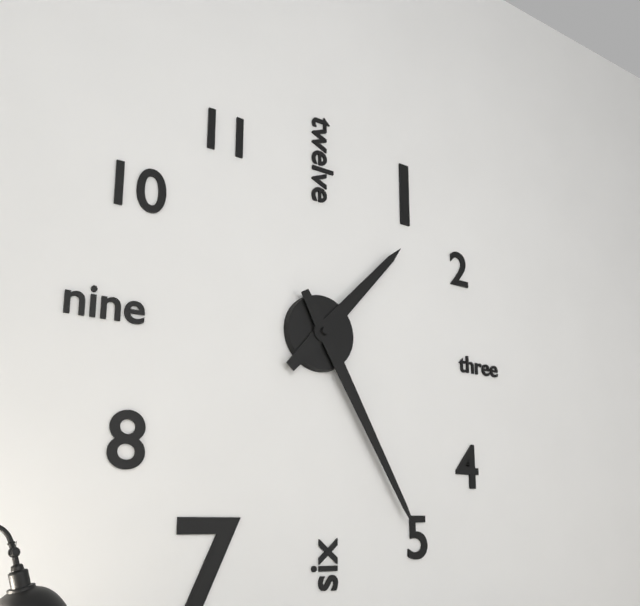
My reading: 1:25
